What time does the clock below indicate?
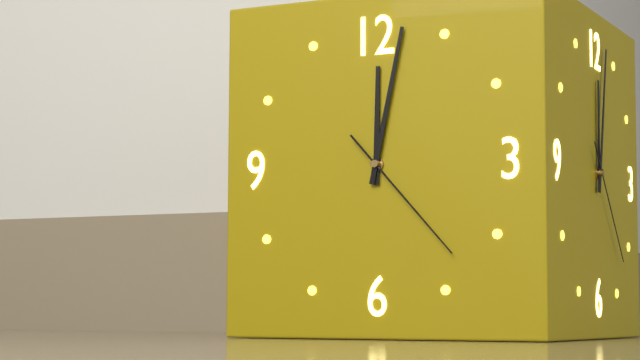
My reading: 12:02:23
